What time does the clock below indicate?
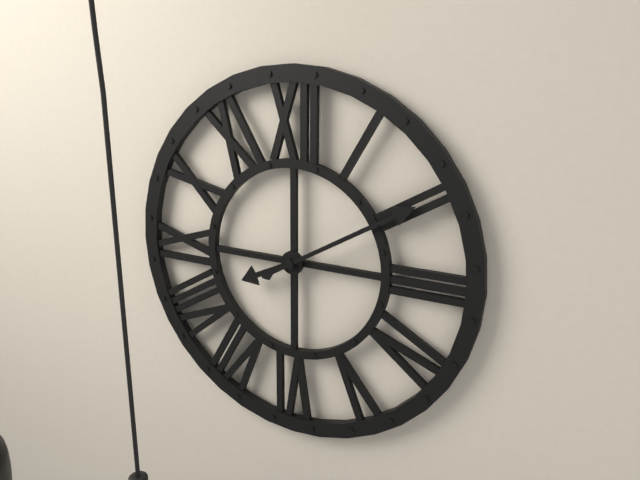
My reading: 8:10
